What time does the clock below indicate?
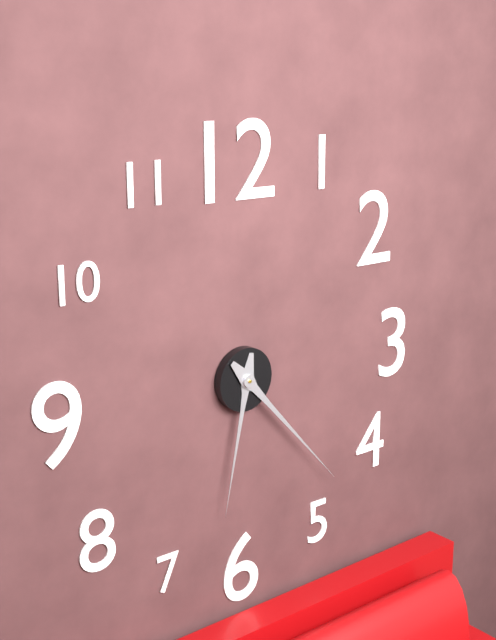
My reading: 6:23
